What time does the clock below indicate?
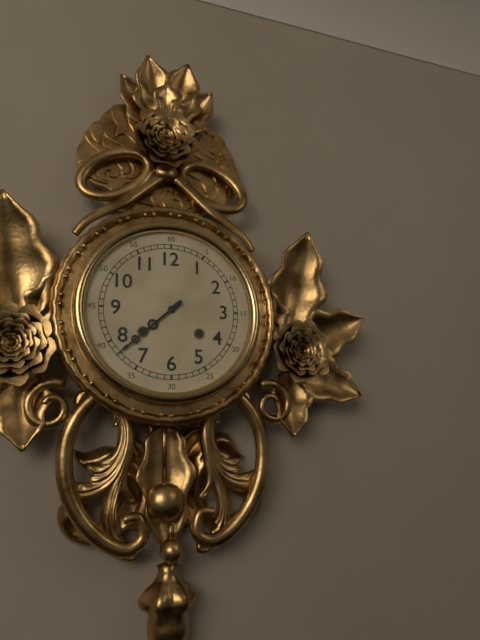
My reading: 7:38
